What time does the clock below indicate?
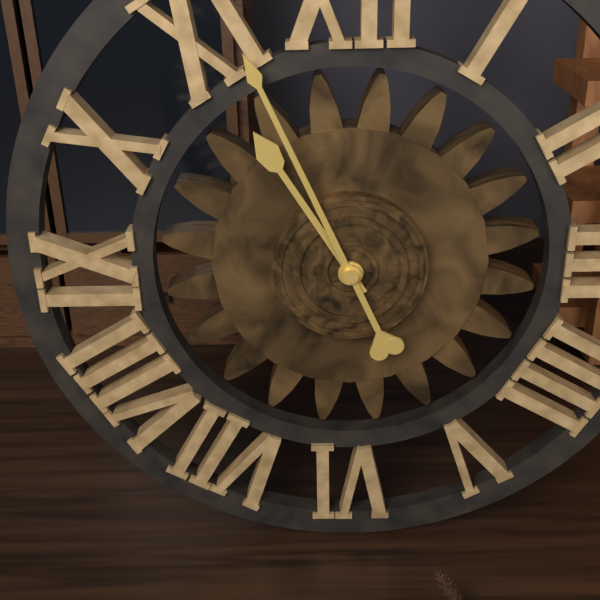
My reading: 10:56
